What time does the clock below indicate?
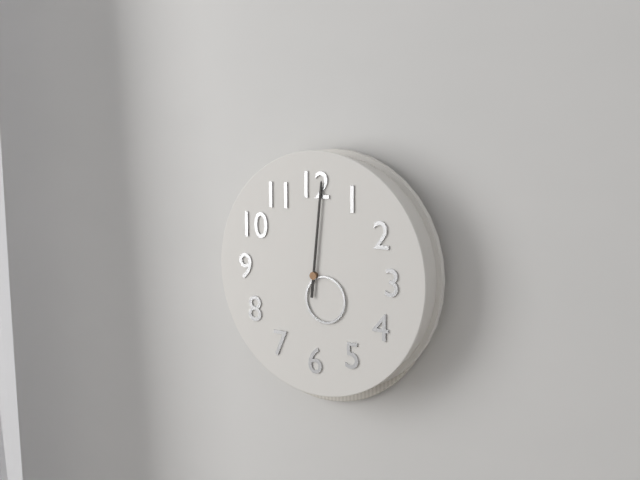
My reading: 5:01
